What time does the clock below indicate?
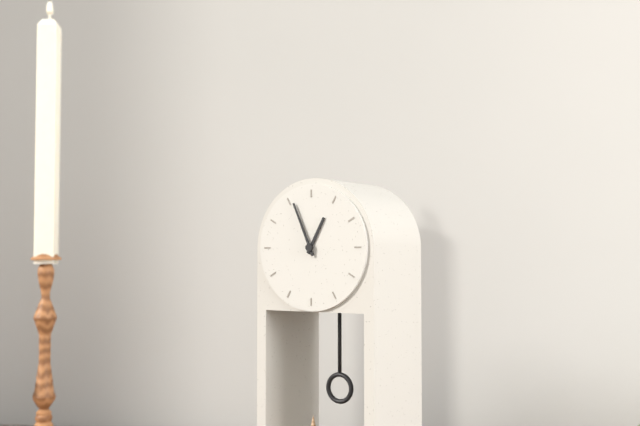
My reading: 12:56
